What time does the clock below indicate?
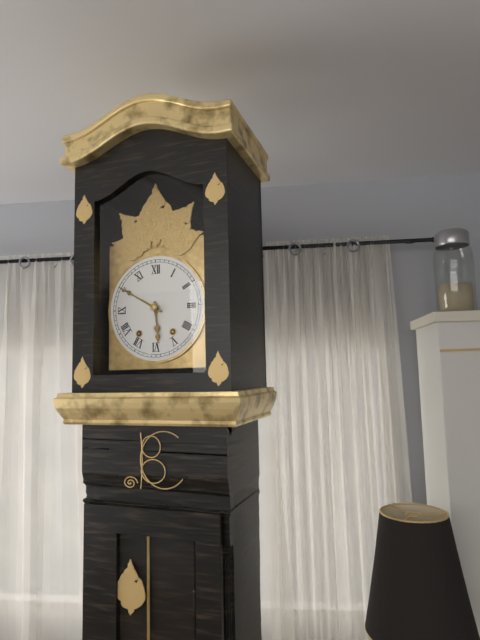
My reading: 5:50
